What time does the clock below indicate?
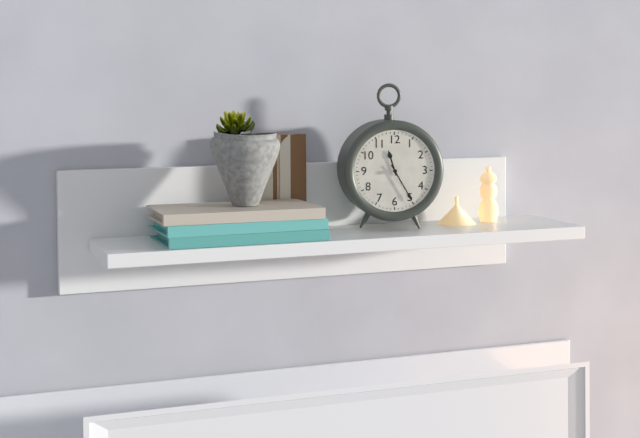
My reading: 11:25
